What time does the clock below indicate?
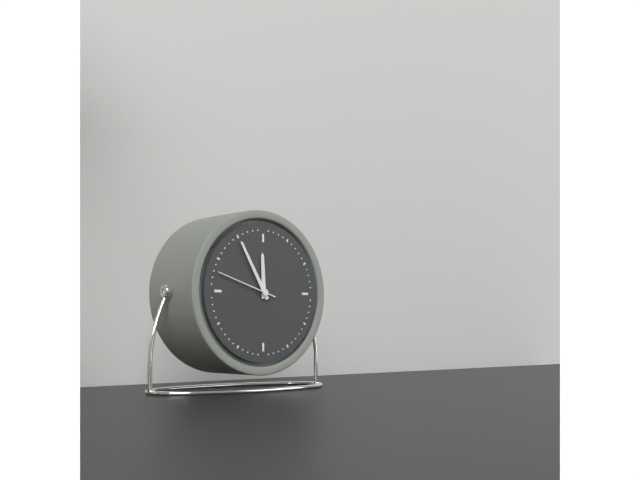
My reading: 11:55:48
